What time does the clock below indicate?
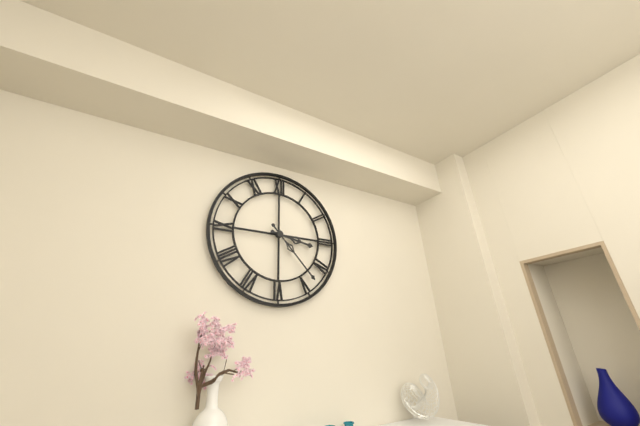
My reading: 3:23
